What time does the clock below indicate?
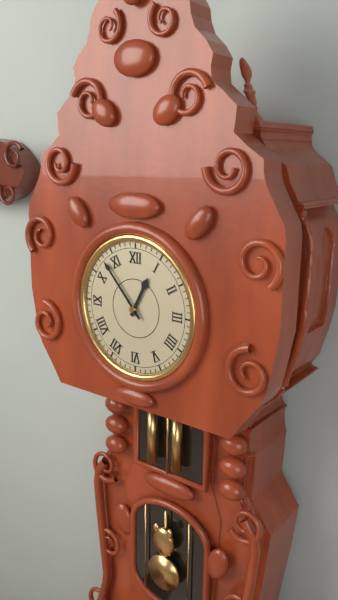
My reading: 12:53
